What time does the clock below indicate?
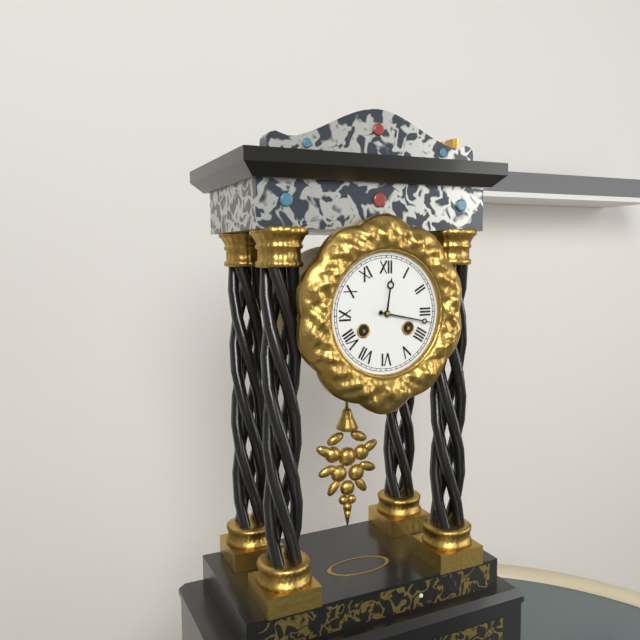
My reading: 12:17
